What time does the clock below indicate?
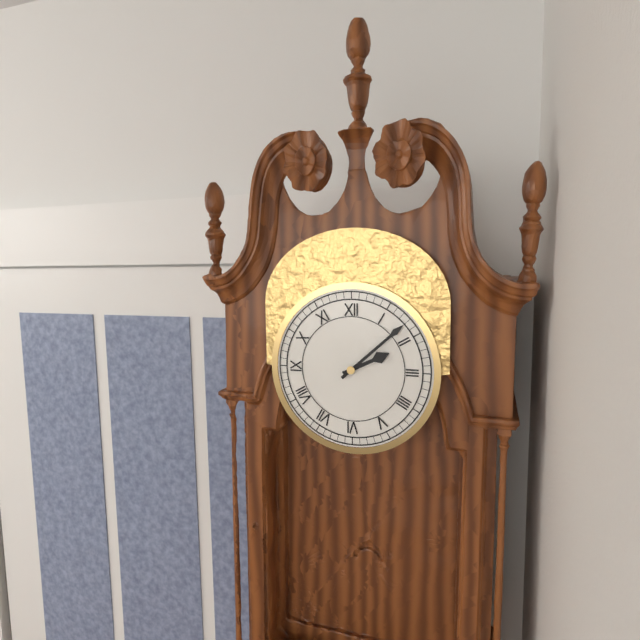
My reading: 2:08
